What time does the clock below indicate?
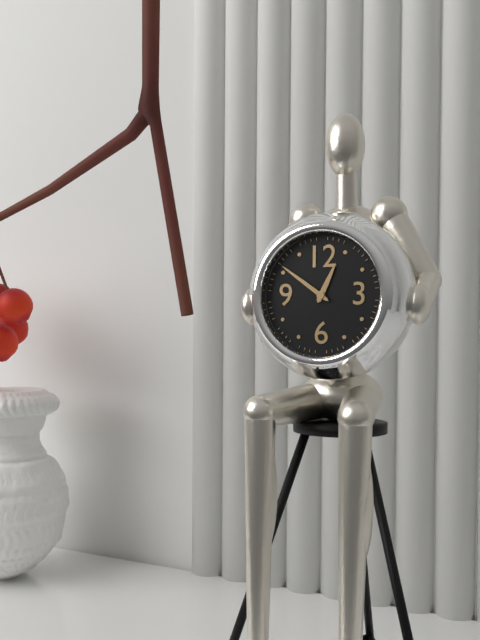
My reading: 12:51
